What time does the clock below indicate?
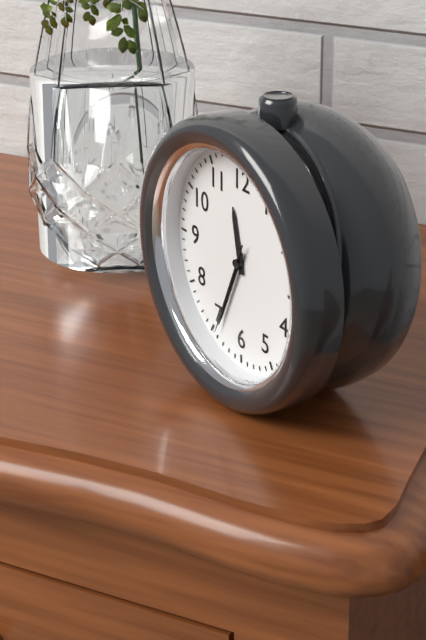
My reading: 11:34:34
